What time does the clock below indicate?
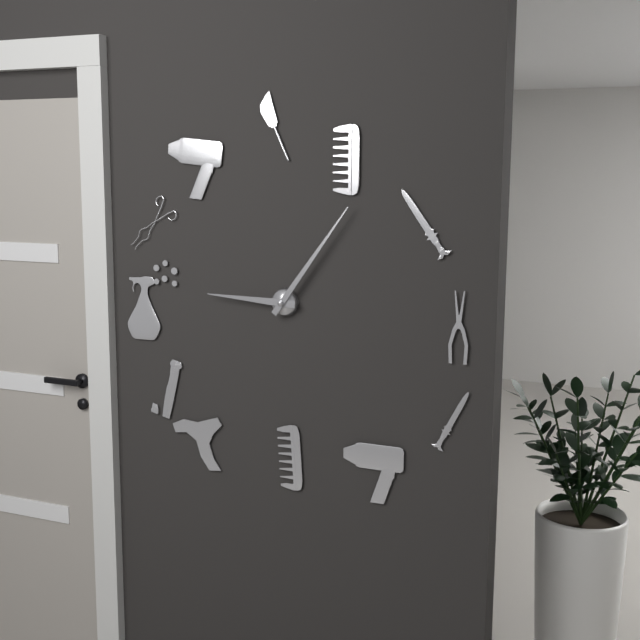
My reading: 9:06
